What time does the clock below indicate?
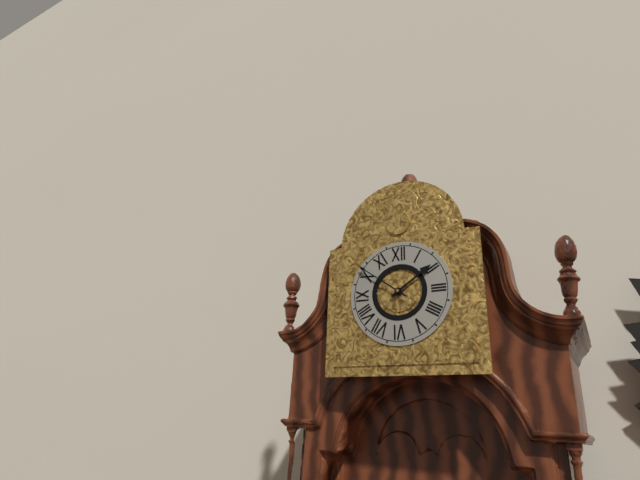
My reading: 1:51
